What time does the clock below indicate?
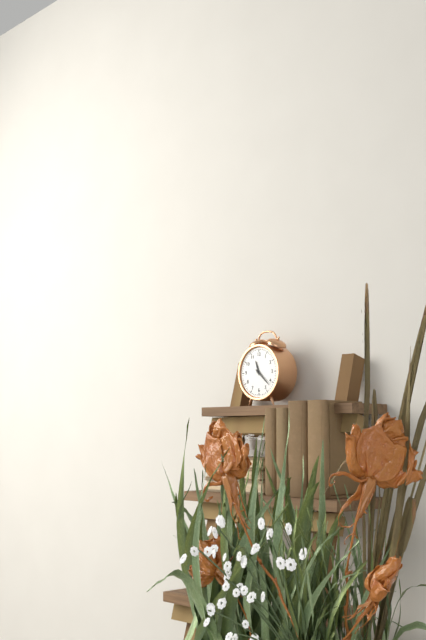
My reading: 11:22
